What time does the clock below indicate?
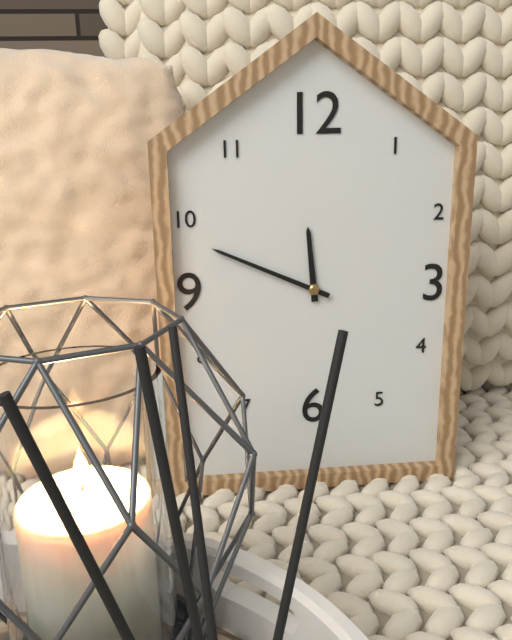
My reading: 11:49
